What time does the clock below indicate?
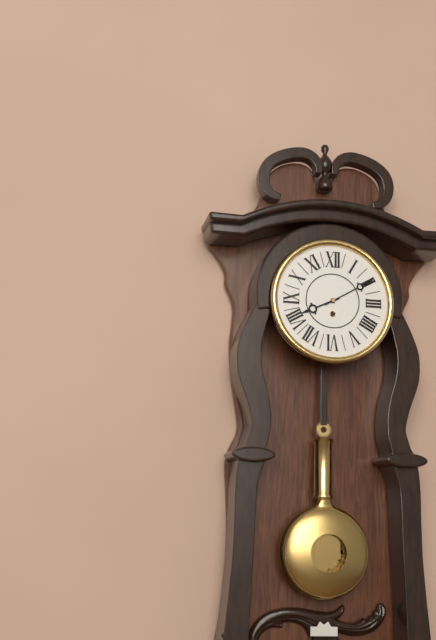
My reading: 8:10
